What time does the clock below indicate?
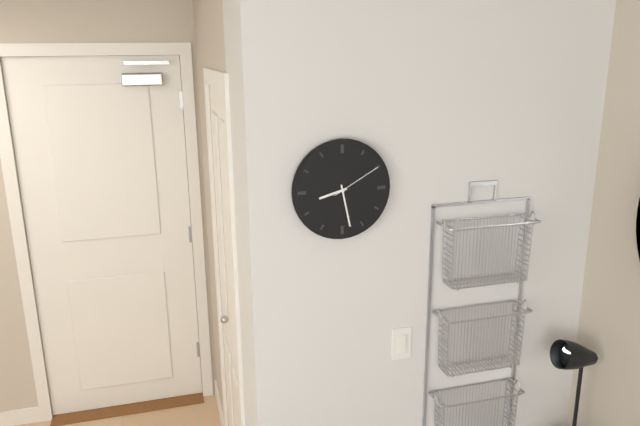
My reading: 8:28:10
